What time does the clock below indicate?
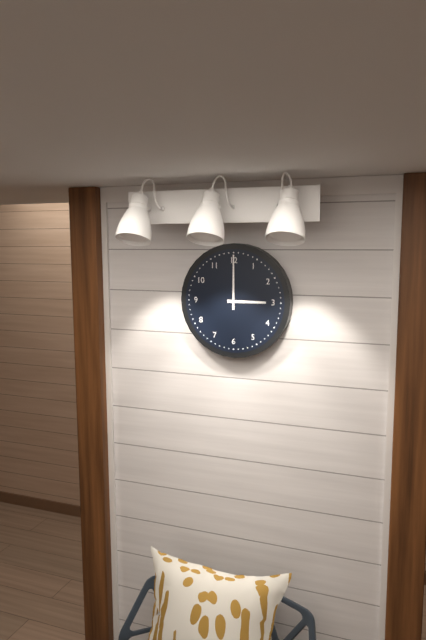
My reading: 3:00
